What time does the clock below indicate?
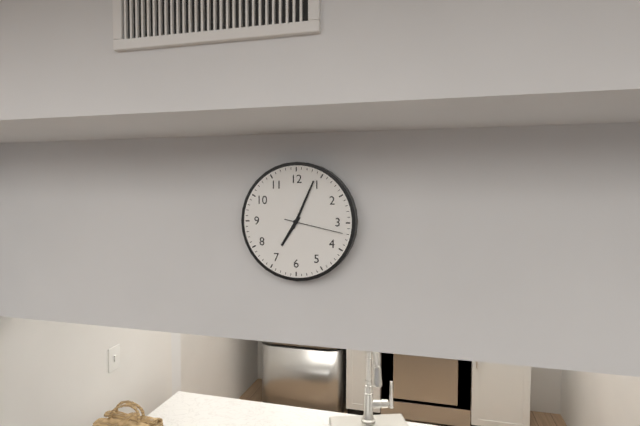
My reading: 7:04:17
